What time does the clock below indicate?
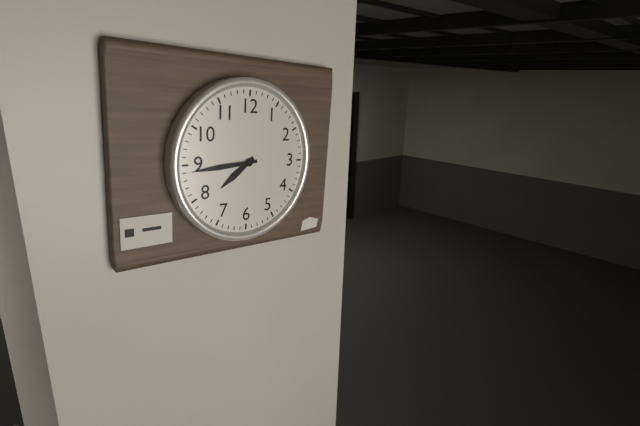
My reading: 7:44
